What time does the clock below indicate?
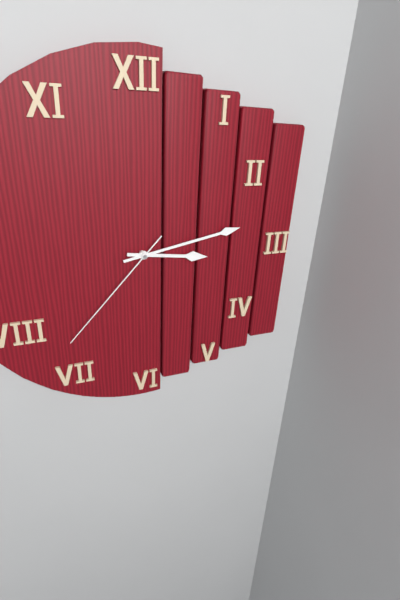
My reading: 3:13:37
